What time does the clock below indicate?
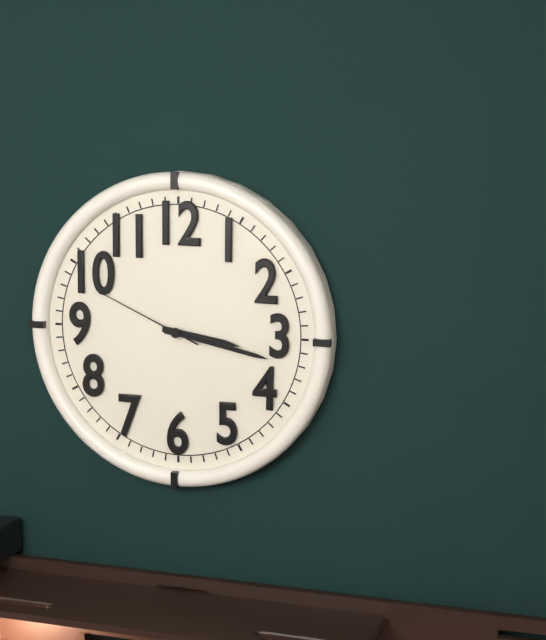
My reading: 3:17:49
